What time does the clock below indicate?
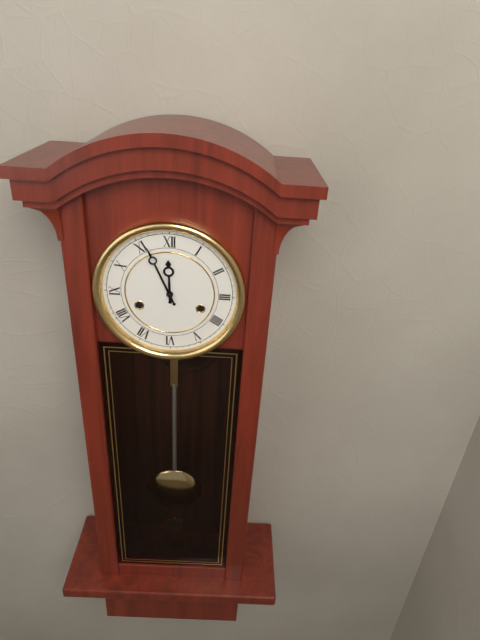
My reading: 11:56
